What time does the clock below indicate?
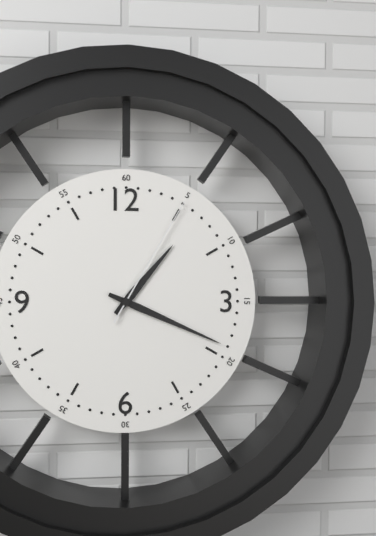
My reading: 1:19:05
